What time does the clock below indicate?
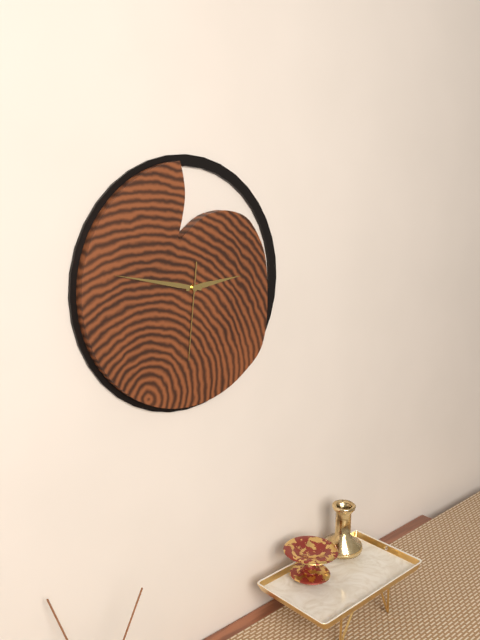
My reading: 2:47:31
